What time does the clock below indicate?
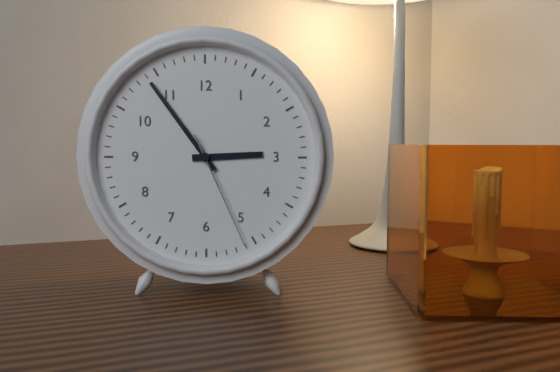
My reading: 2:54:26
